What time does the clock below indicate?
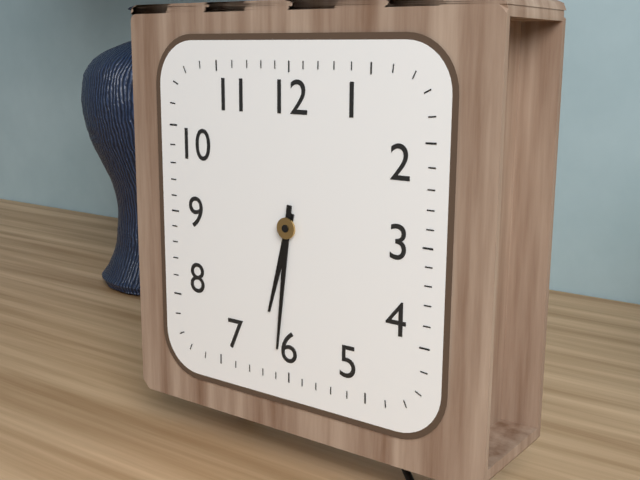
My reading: 6:31
